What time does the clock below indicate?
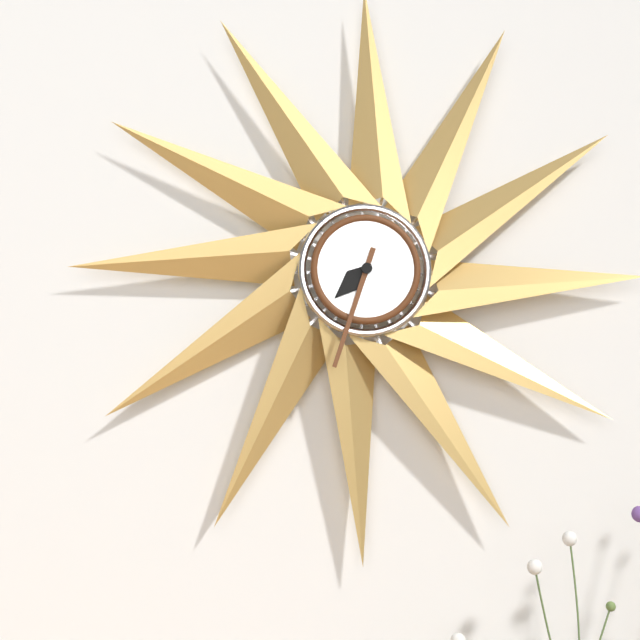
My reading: 7:33
